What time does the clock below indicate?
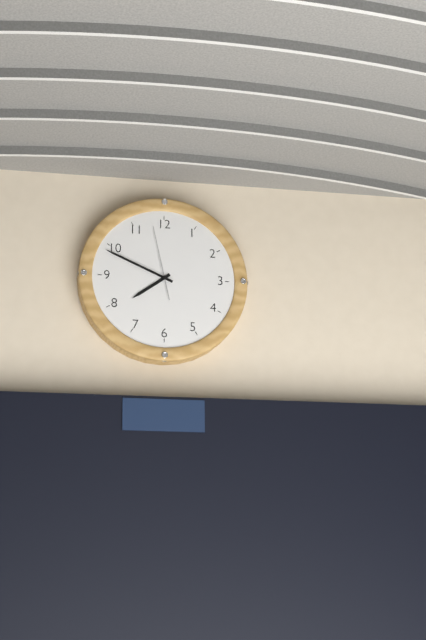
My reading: 7:49:58
